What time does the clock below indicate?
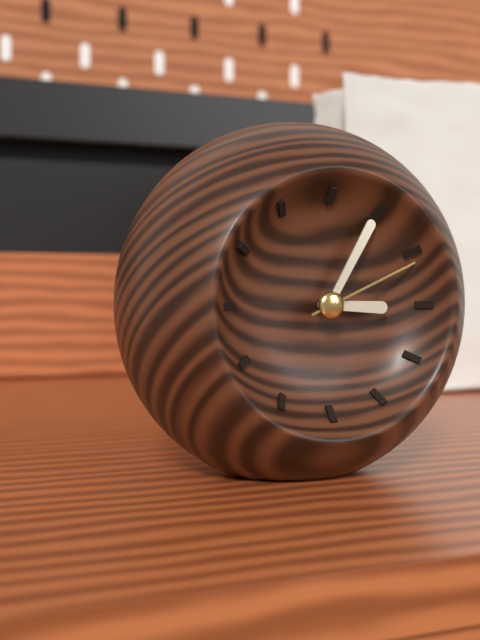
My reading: 3:05:11
